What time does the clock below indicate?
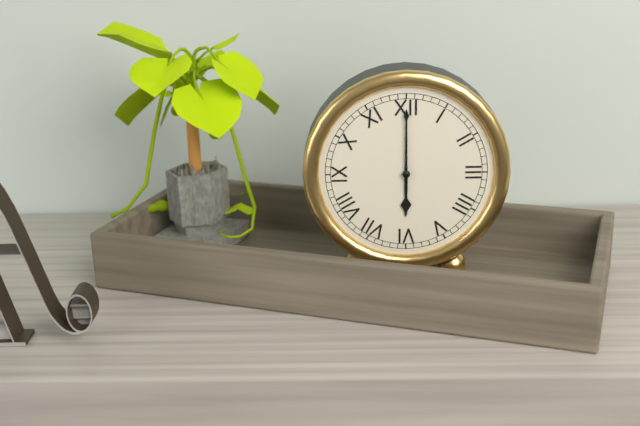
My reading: 6:00
